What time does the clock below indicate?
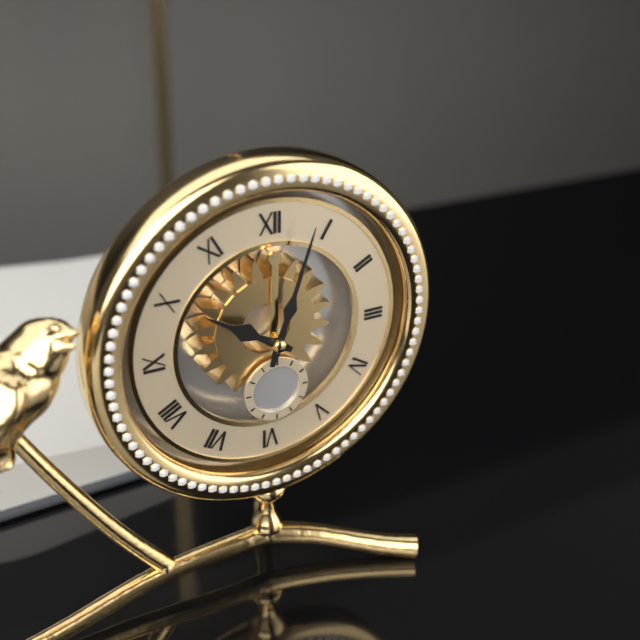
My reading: 10:03
